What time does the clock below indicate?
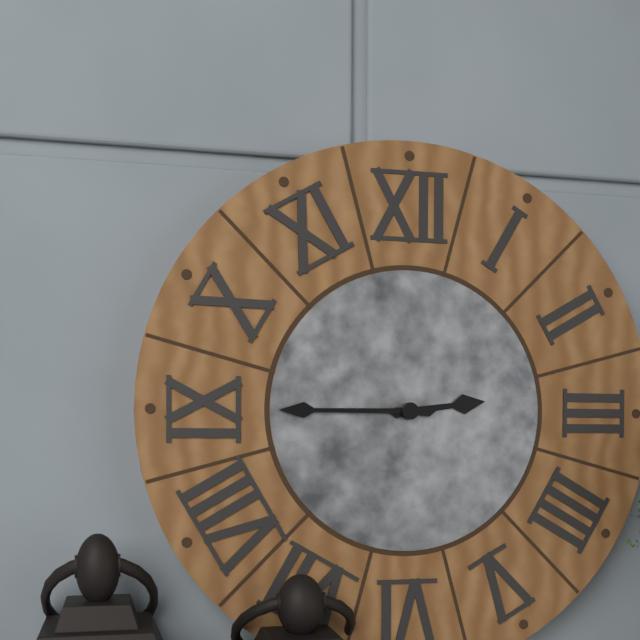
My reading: 2:45
